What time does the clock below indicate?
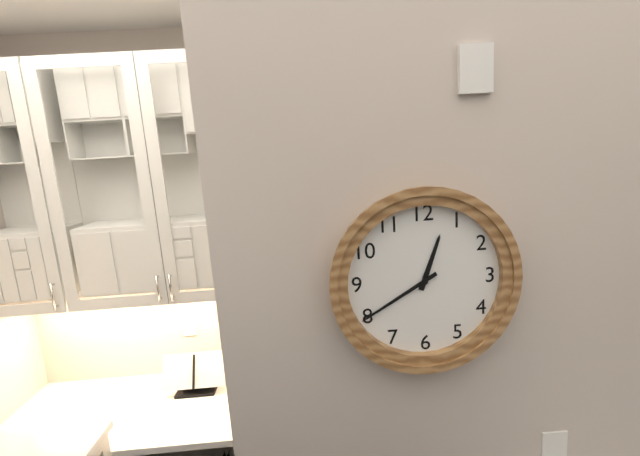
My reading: 12:40
